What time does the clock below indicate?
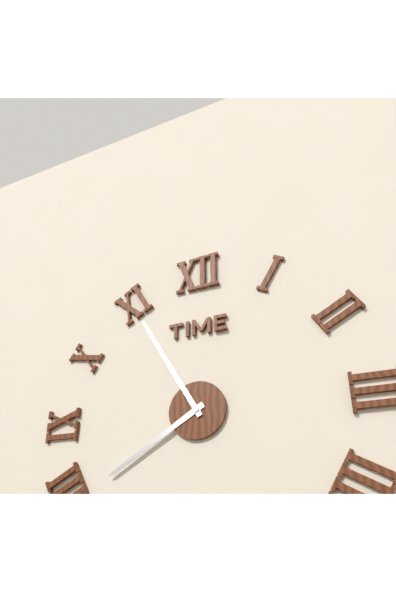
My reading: 7:55
